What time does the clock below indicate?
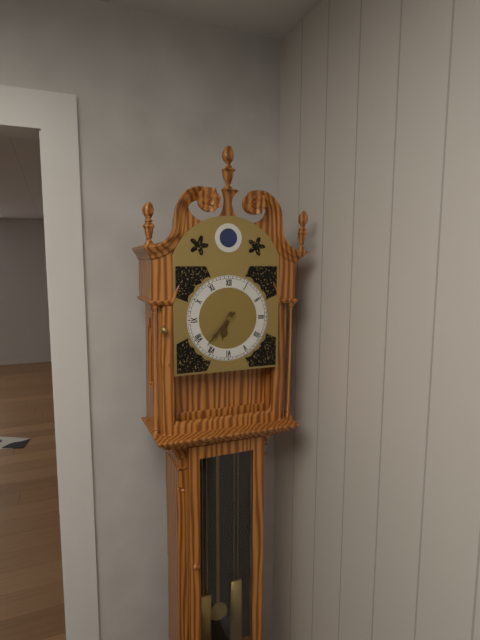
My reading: 6:37
